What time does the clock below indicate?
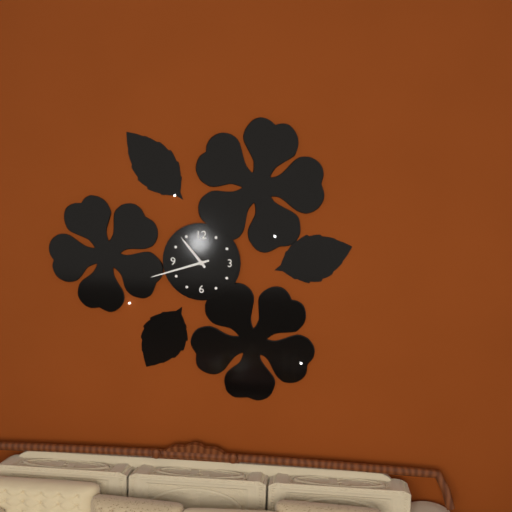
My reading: 10:42
